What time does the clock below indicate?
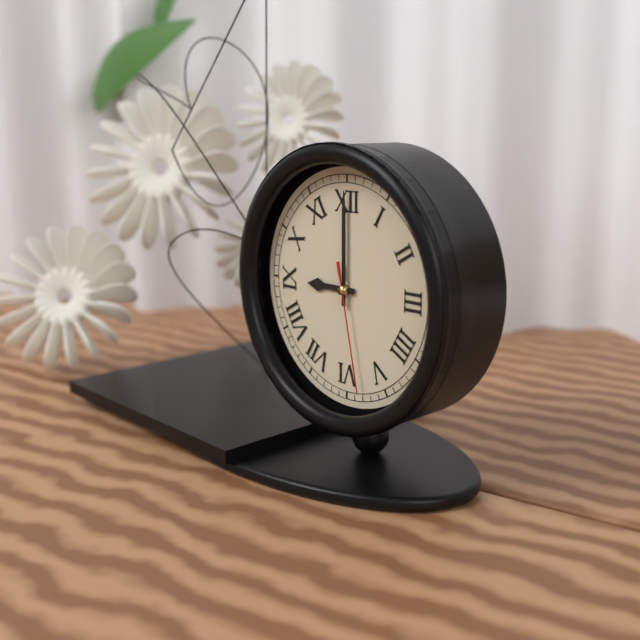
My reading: 9:00:28
